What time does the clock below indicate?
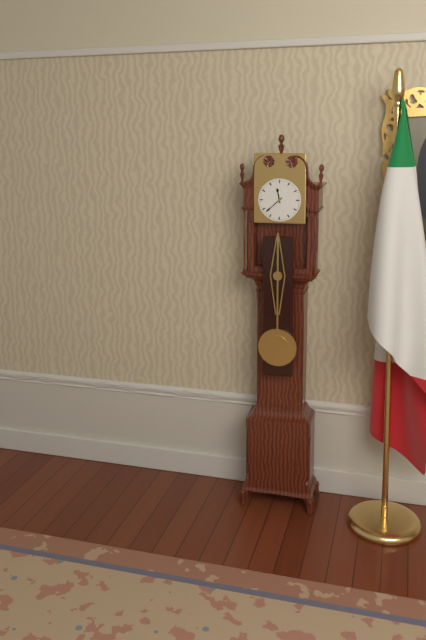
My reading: 11:38
